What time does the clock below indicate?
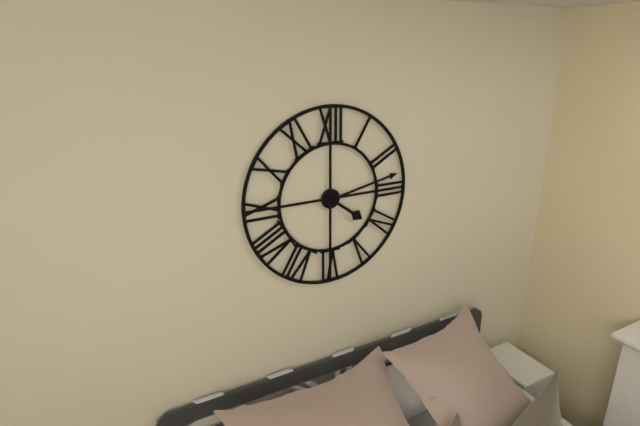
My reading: 4:13
